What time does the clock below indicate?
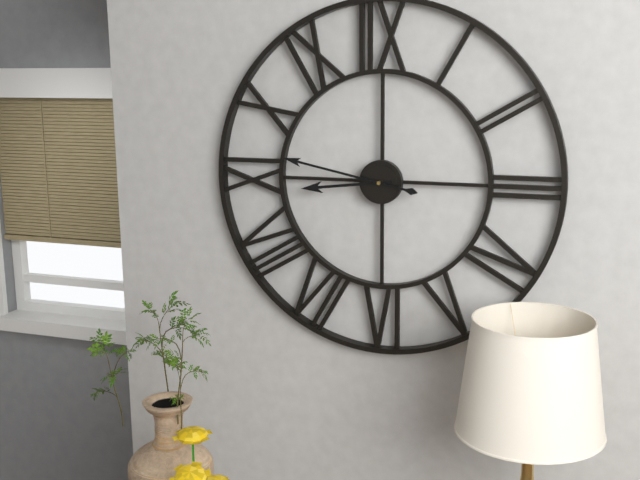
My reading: 8:47
